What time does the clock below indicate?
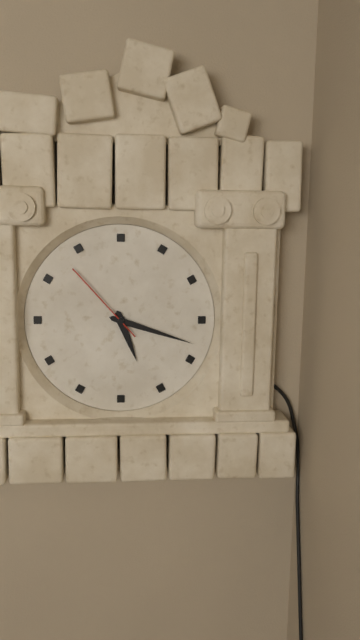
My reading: 5:18:53
